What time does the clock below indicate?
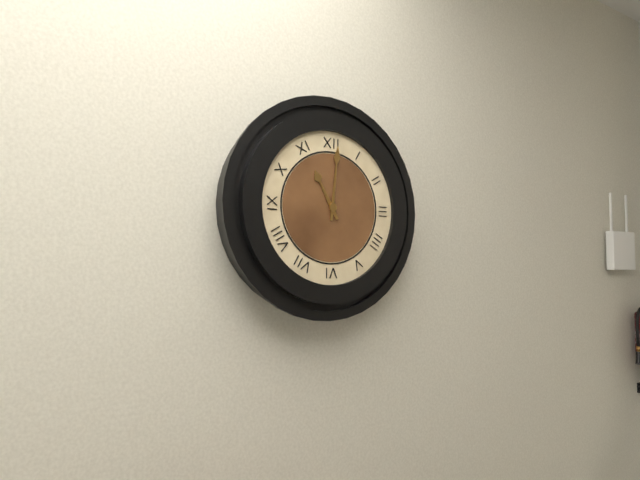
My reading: 11:01
